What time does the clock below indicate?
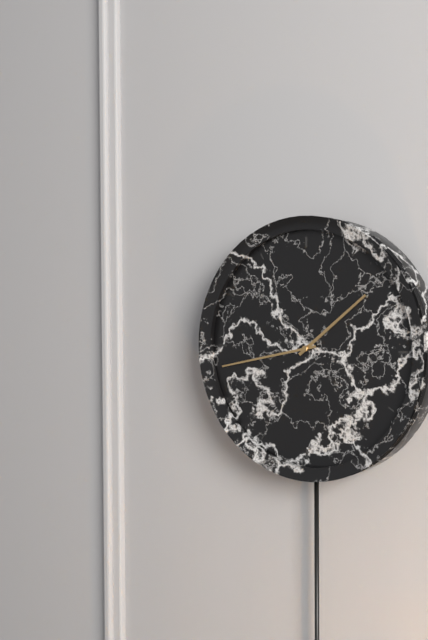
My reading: 1:43
